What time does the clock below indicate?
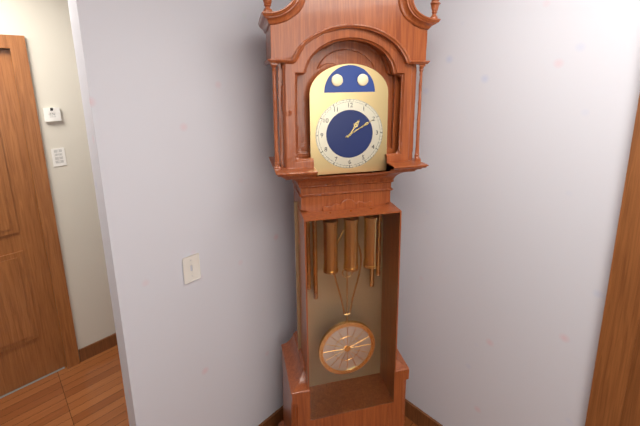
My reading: 1:10
